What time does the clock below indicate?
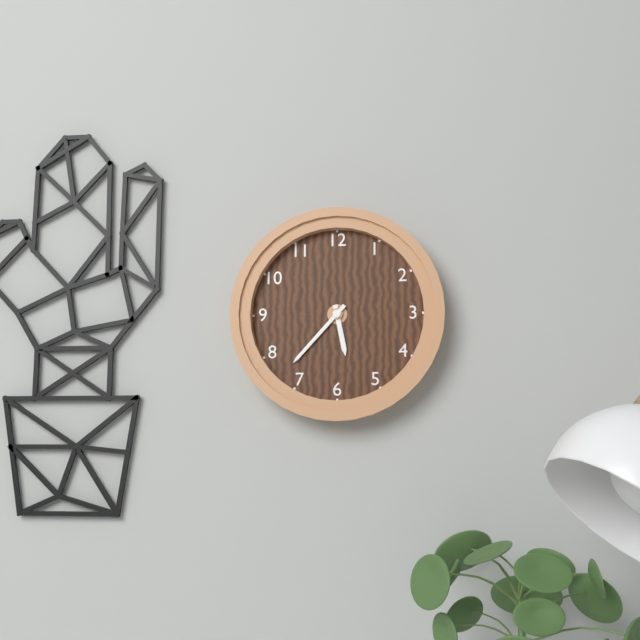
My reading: 5:37
